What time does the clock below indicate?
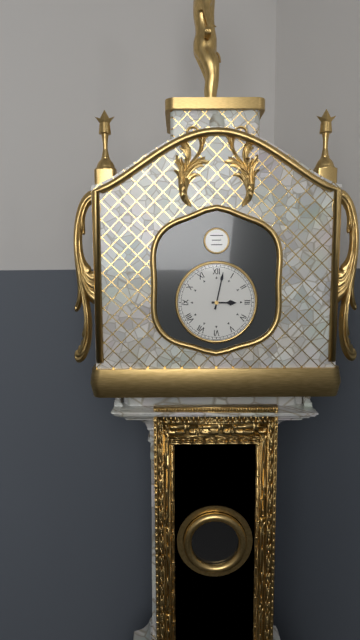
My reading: 3:02
